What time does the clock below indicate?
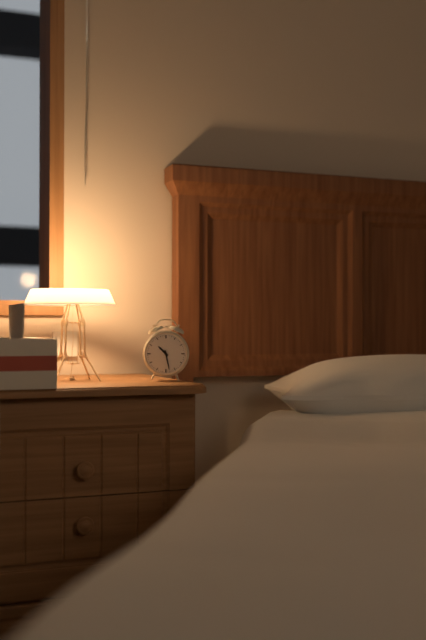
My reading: 10:28
